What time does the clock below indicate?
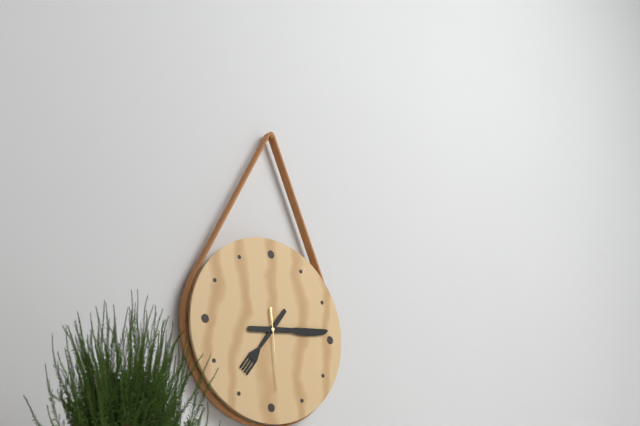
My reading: 7:14:29
